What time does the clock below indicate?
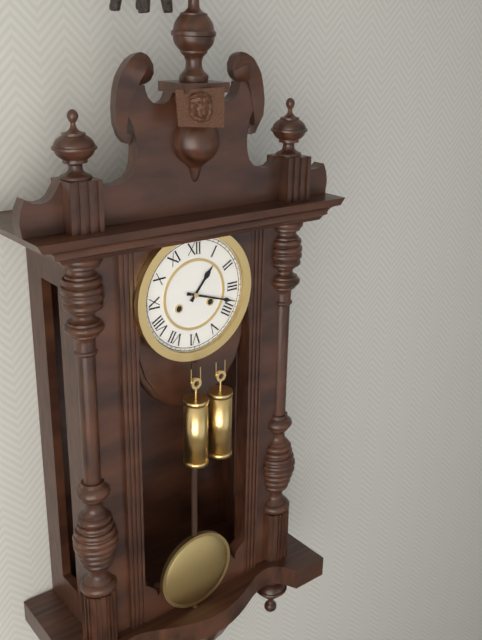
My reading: 1:18
